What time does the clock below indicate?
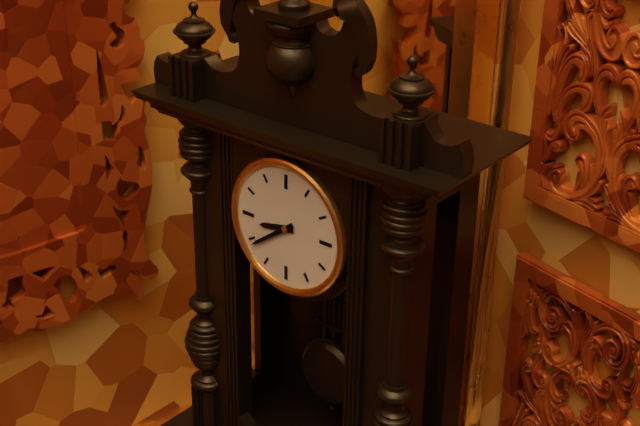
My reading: 8:39
